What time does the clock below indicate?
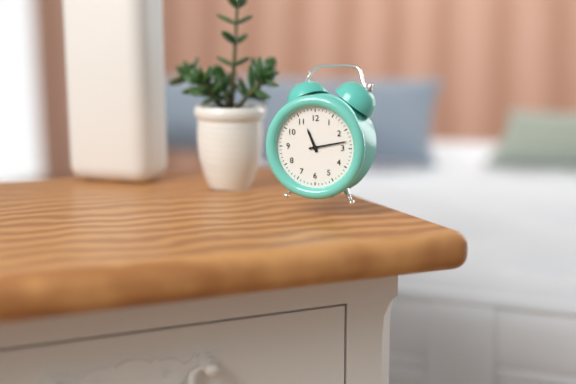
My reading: 11:13
